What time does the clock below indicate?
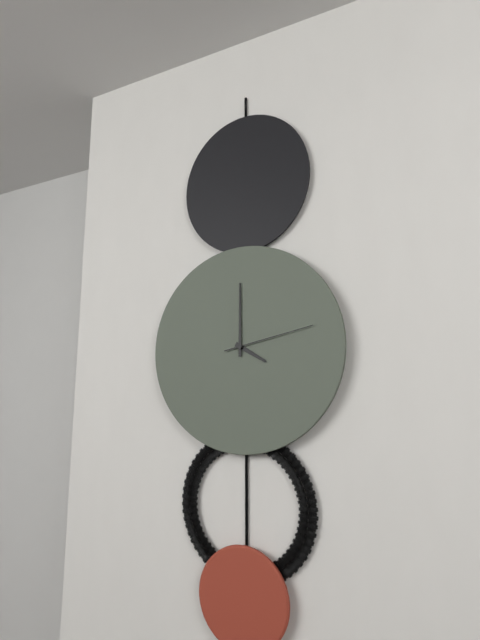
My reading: 4:00:13
